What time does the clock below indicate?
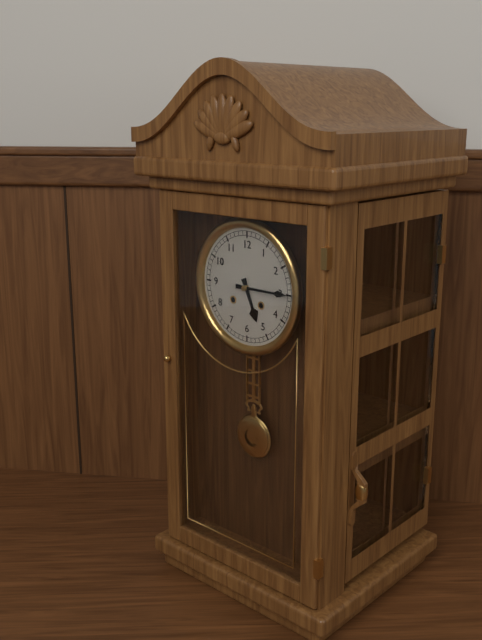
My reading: 5:15
